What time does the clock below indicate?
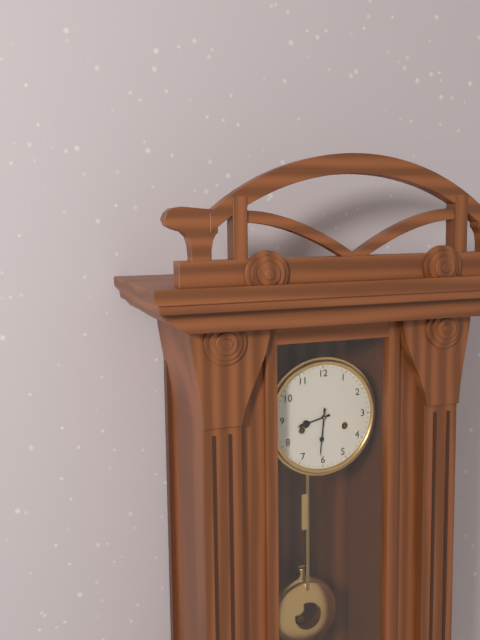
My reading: 8:31
